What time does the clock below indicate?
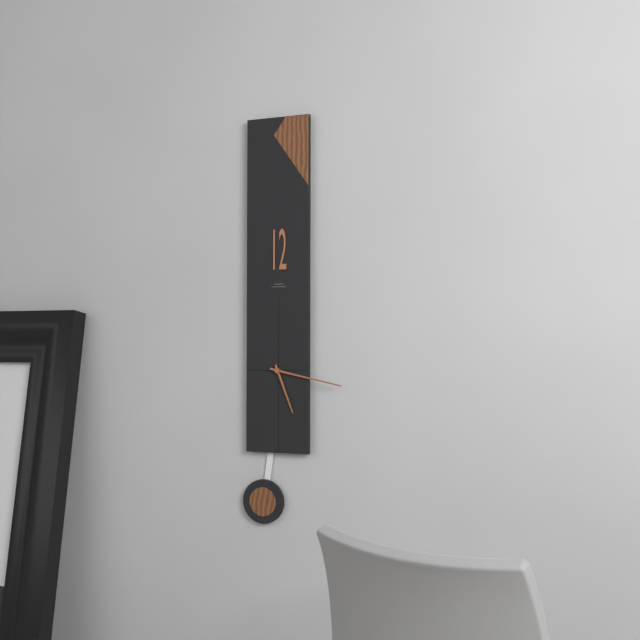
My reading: 5:17
